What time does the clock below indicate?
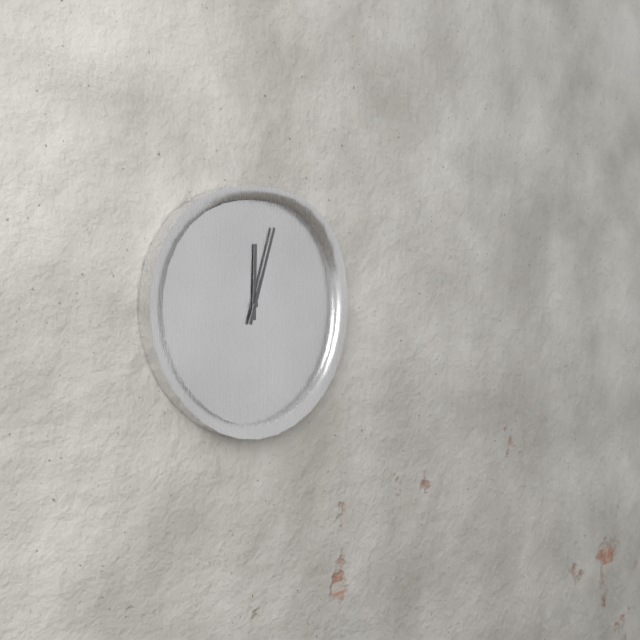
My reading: 12:03
